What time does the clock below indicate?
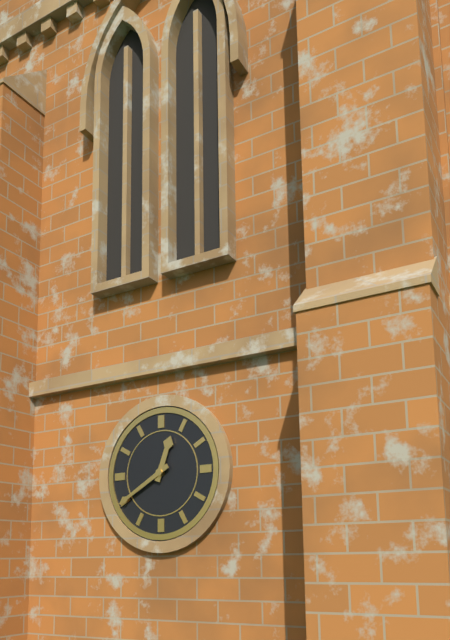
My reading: 12:40
